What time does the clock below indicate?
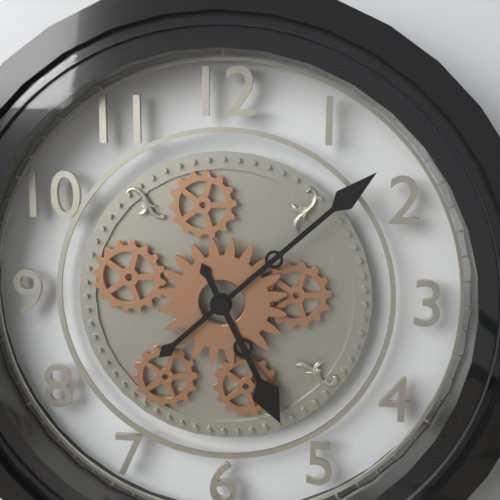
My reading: 5:08
